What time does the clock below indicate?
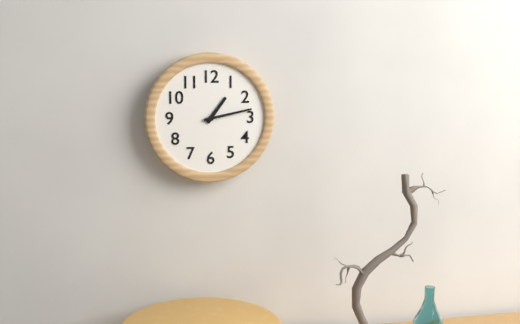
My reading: 1:13
